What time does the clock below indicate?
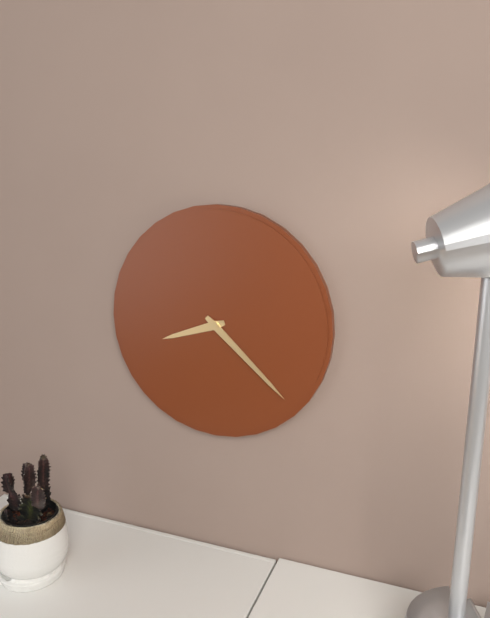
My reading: 8:22
